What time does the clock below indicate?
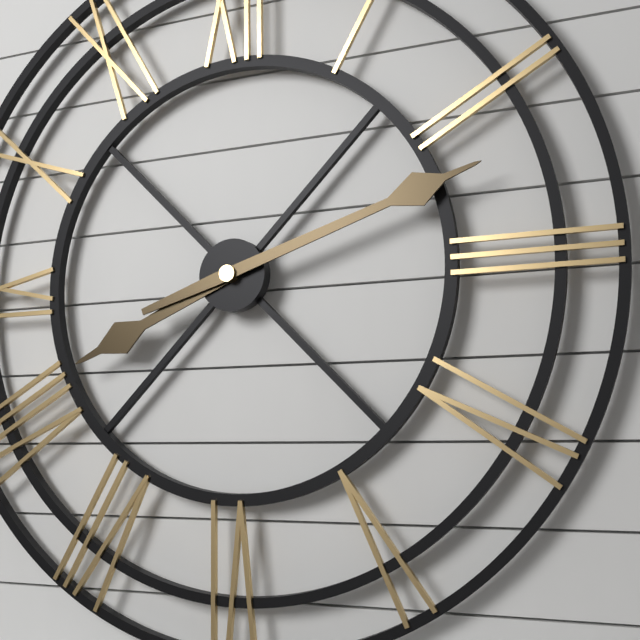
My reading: 8:12
